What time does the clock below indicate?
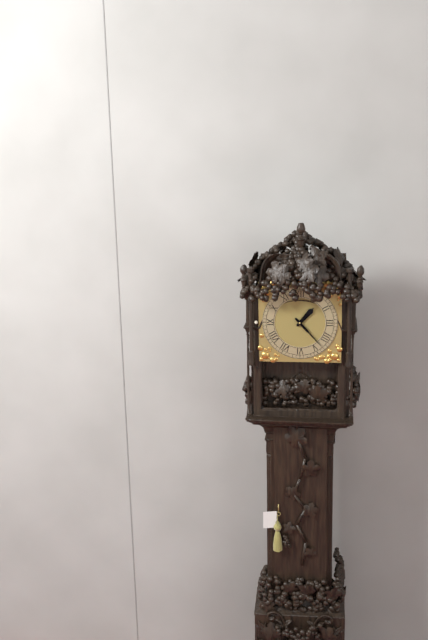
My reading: 1:23
